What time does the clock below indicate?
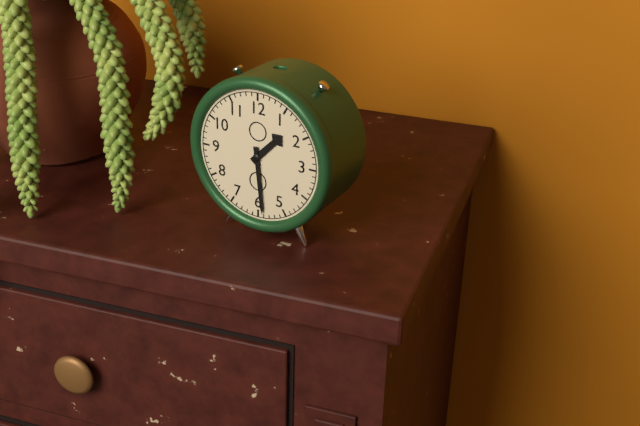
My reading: 1:29
